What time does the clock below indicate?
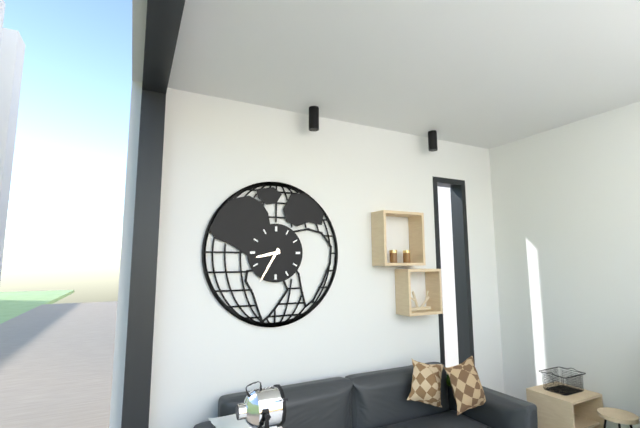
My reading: 8:35
